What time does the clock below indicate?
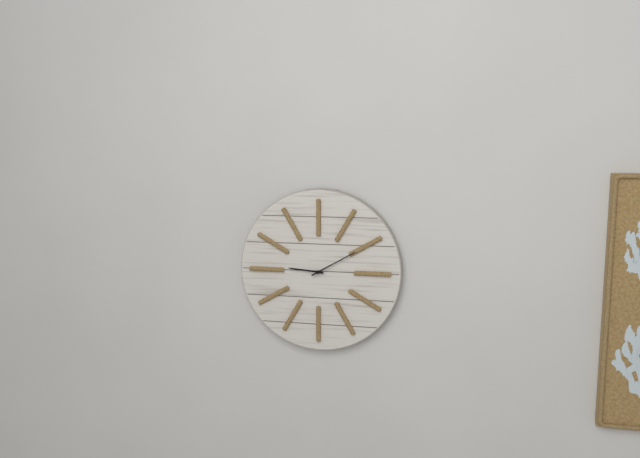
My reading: 9:10
